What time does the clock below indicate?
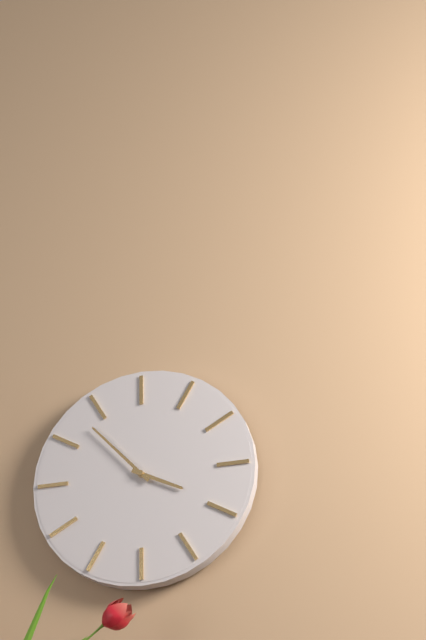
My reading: 3:53
